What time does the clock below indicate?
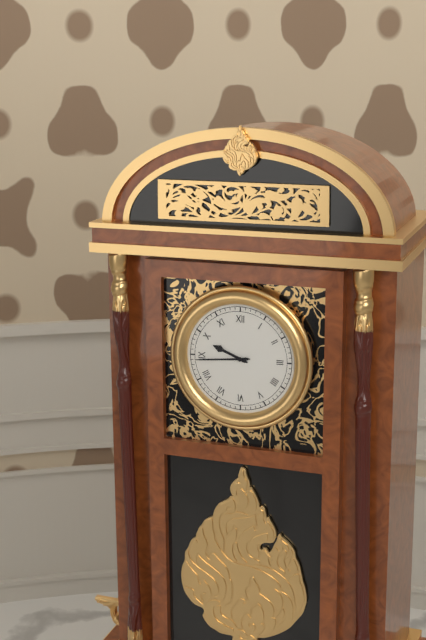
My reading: 9:44
